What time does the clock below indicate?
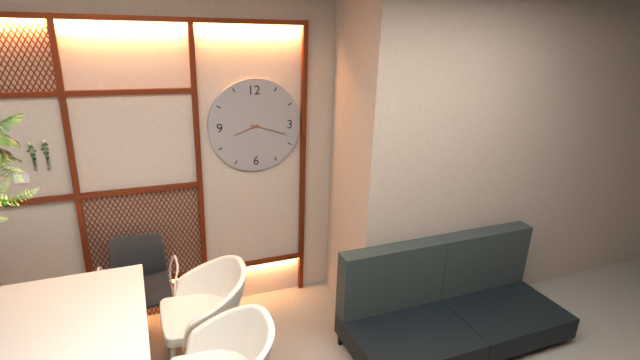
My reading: 8:18
